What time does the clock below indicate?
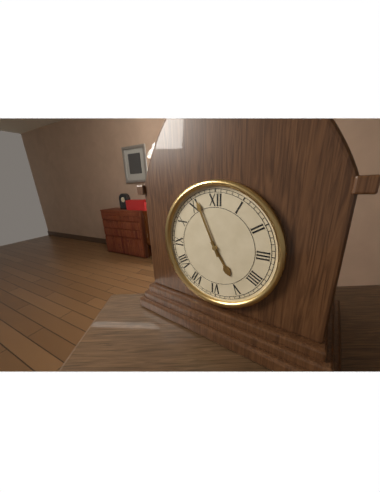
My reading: 4:56
